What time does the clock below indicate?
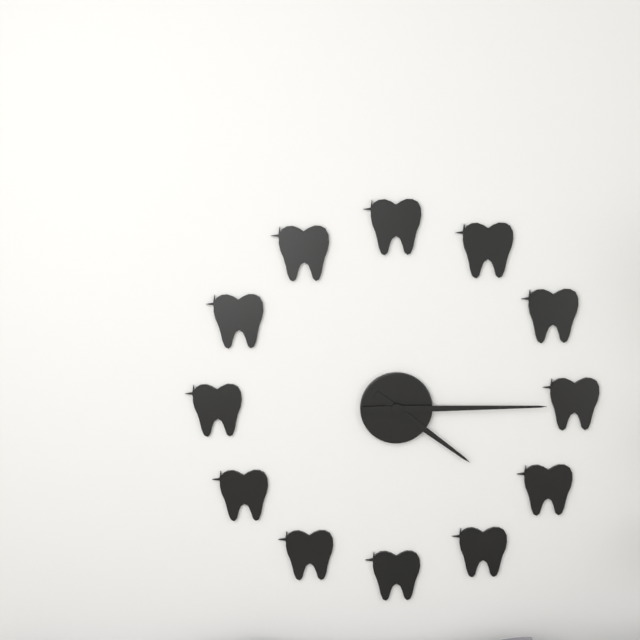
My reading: 4:15
